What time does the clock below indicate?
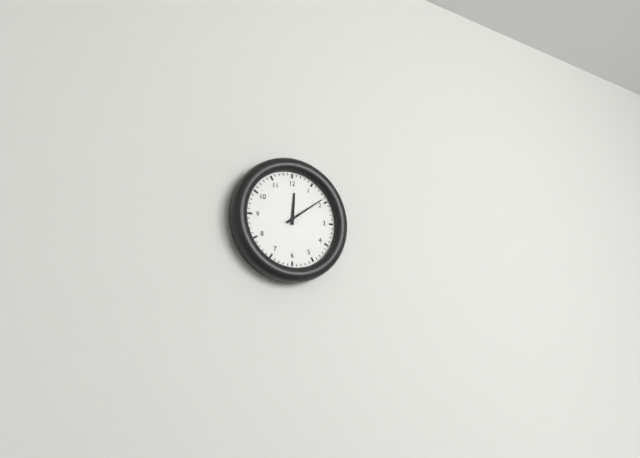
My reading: 12:09
